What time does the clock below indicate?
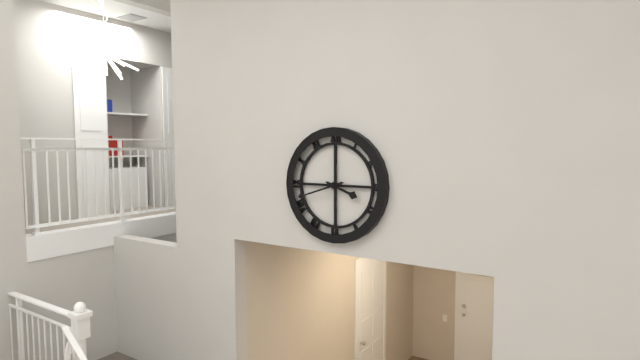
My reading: 3:42
